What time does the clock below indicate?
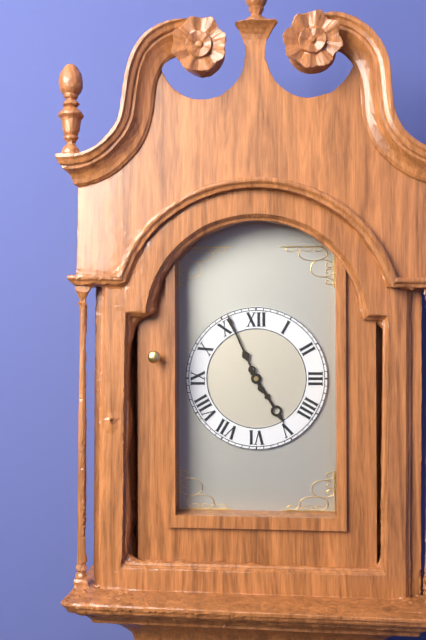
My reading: 4:56
